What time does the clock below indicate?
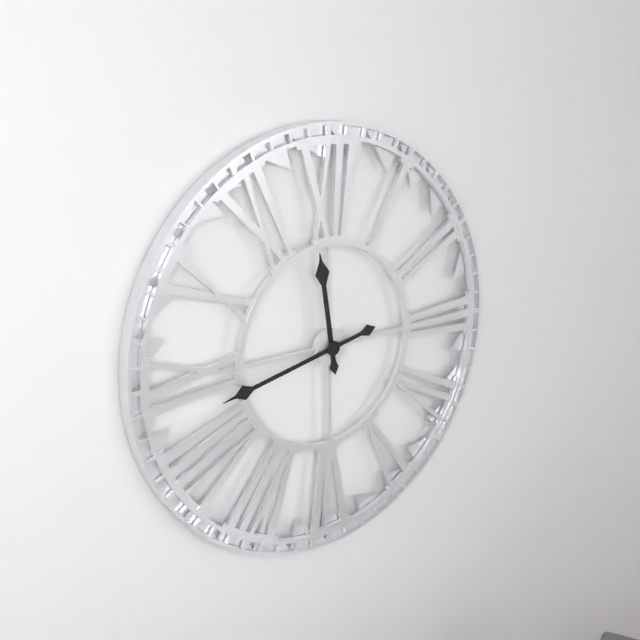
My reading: 11:43
